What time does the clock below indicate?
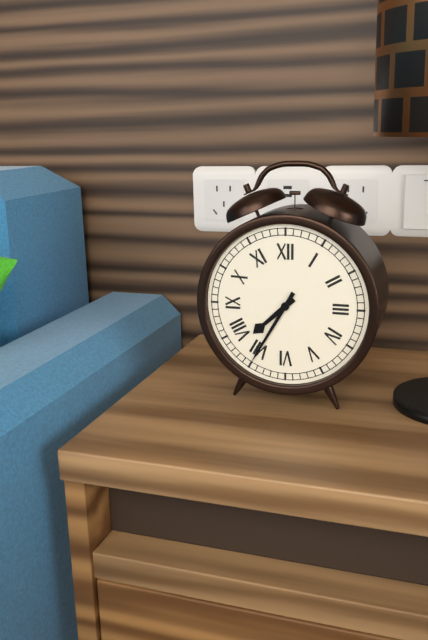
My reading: 7:35
